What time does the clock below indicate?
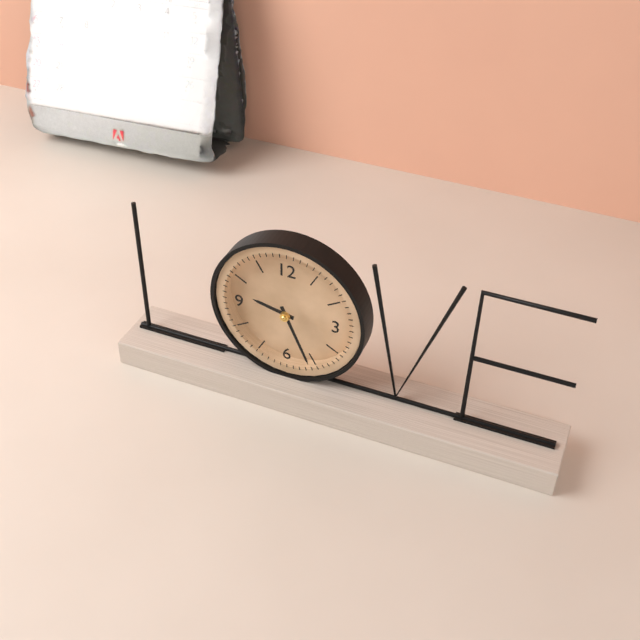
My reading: 9:26
